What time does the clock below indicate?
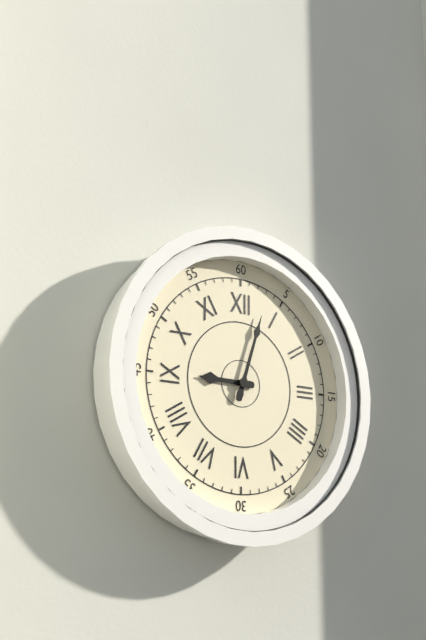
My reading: 9:03
